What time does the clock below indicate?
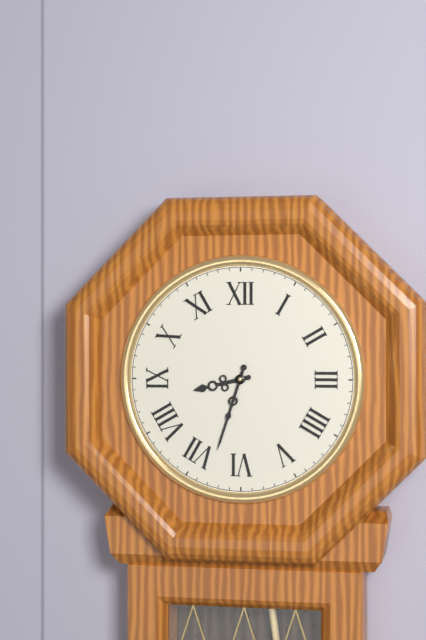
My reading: 8:33
